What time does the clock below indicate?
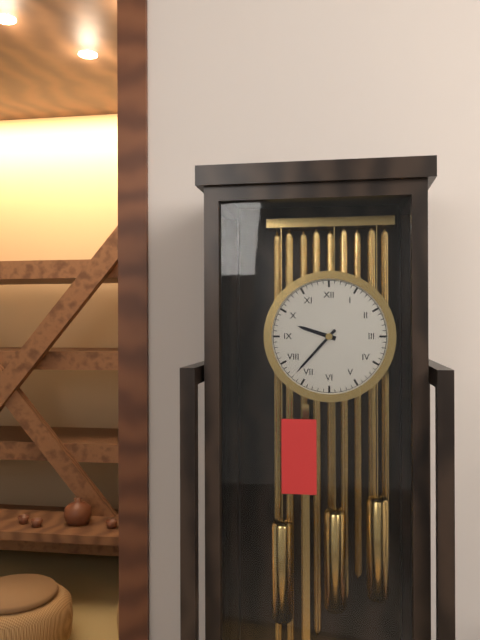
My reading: 9:37
